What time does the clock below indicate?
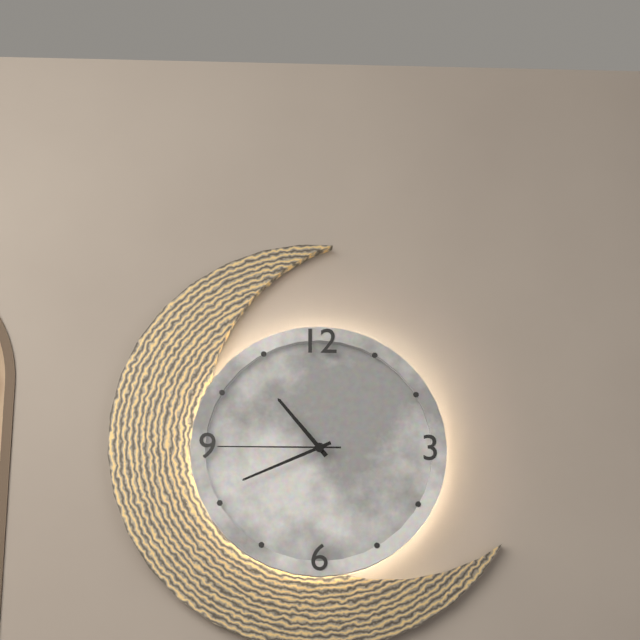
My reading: 10:41:45
